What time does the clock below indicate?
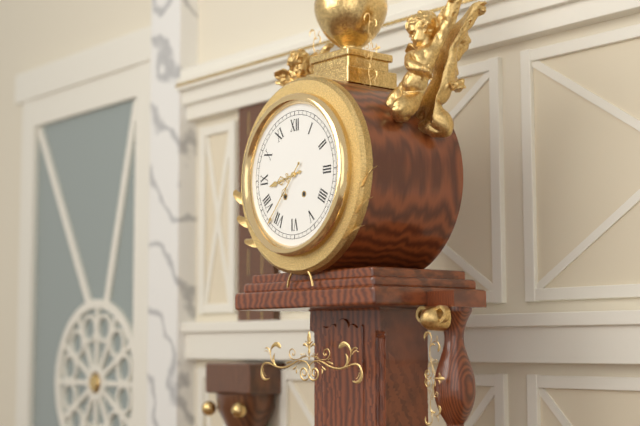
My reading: 8:37
